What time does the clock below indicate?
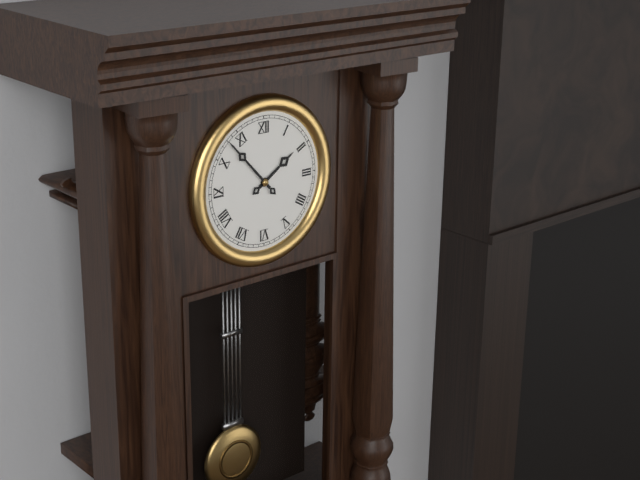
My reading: 1:53
